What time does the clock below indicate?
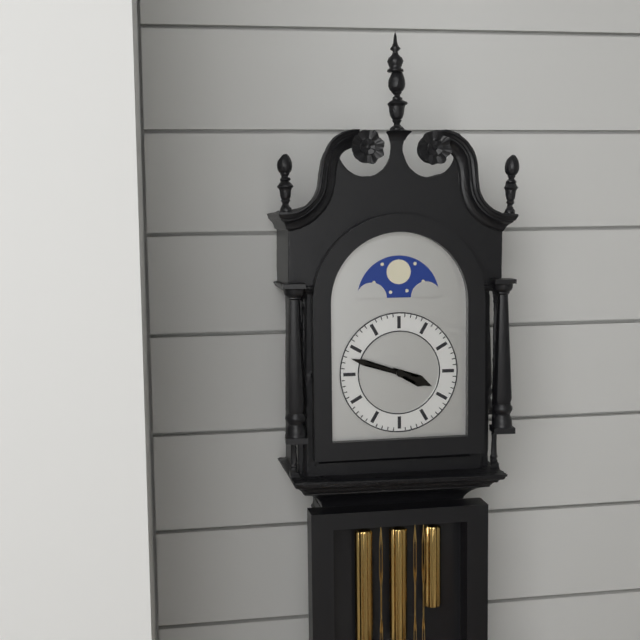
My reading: 3:48
